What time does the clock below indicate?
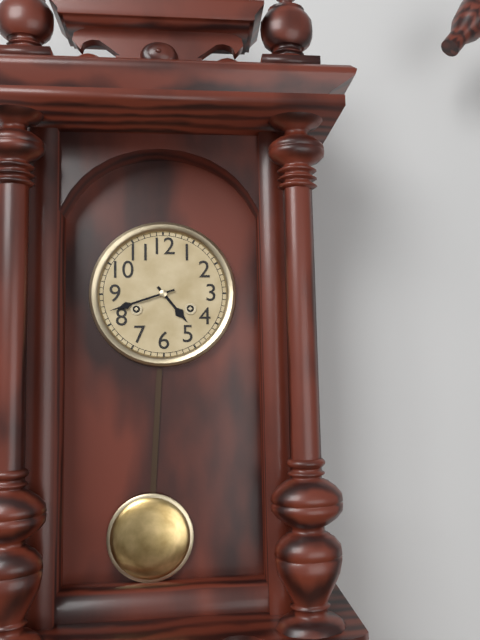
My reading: 4:42
